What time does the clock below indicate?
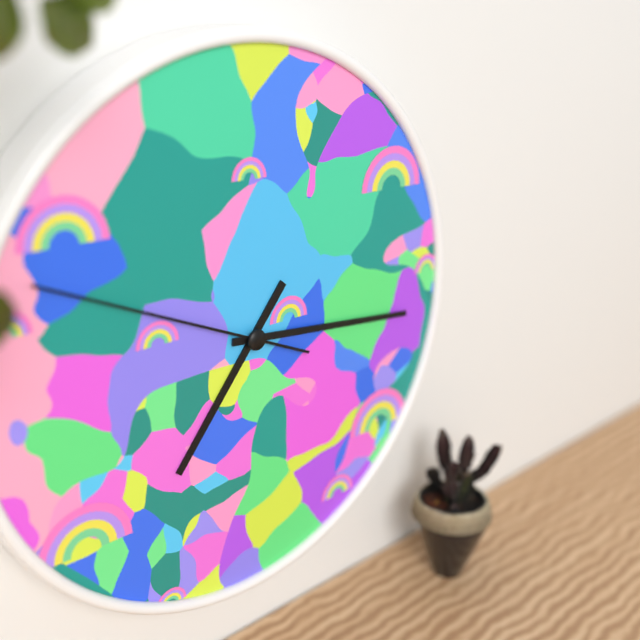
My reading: 7:16:49
